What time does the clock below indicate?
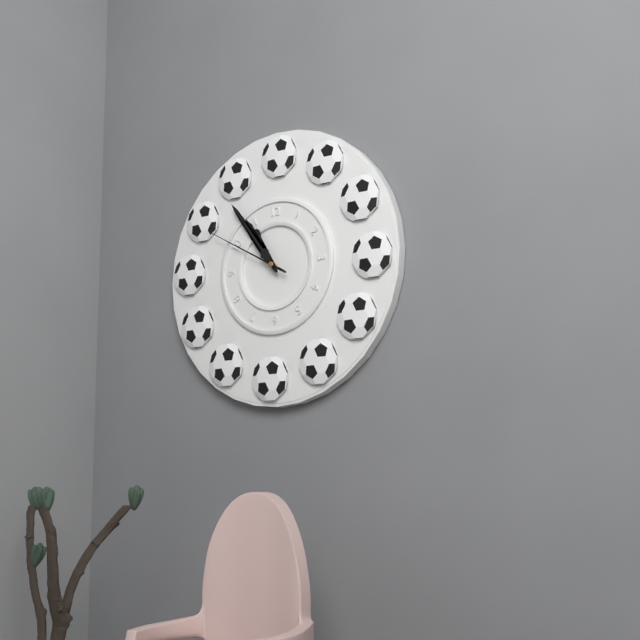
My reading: 10:54:50
